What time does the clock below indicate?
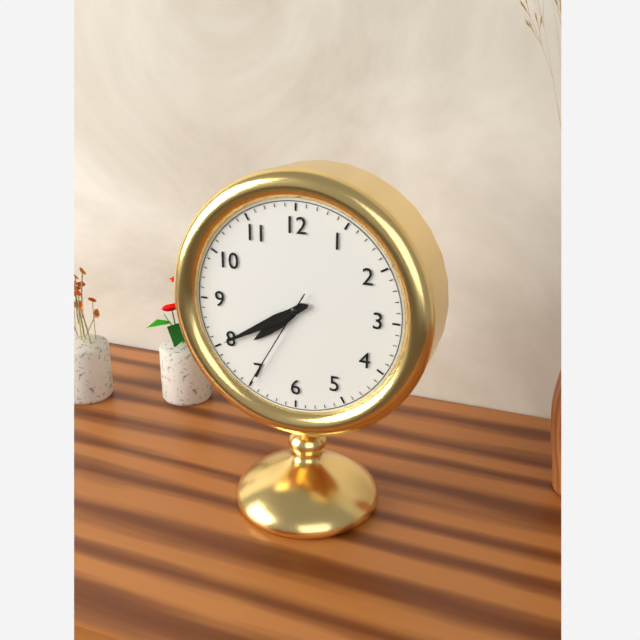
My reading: 7:40:35
